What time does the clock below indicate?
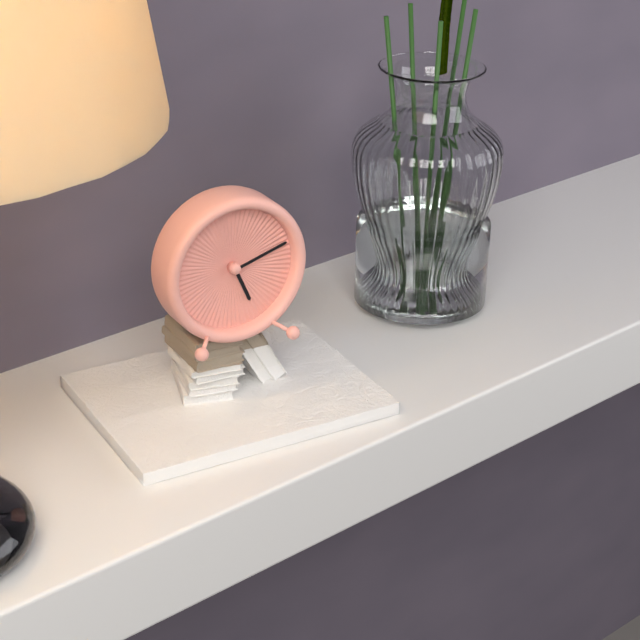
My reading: 5:12
